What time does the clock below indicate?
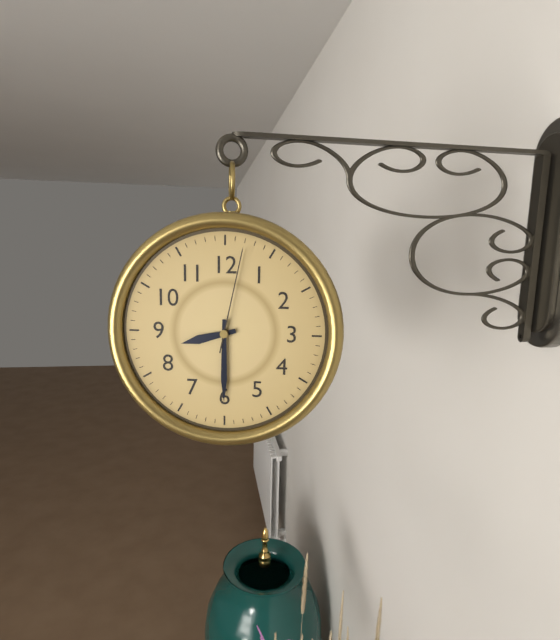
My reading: 8:30:02
